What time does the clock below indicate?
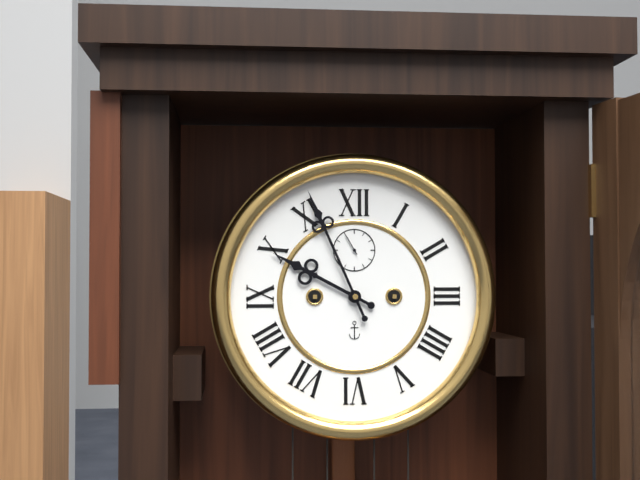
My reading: 9:56
